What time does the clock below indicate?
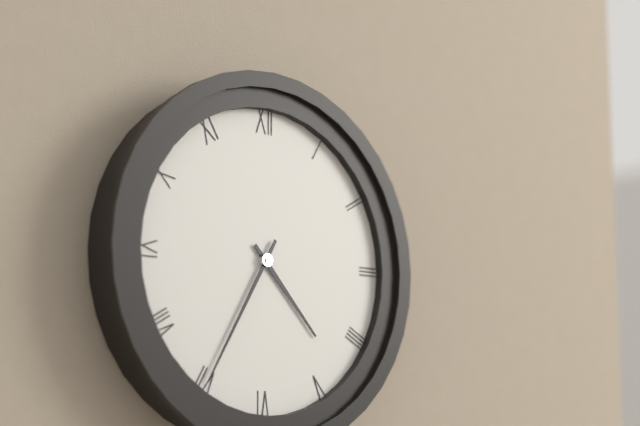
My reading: 4:35
